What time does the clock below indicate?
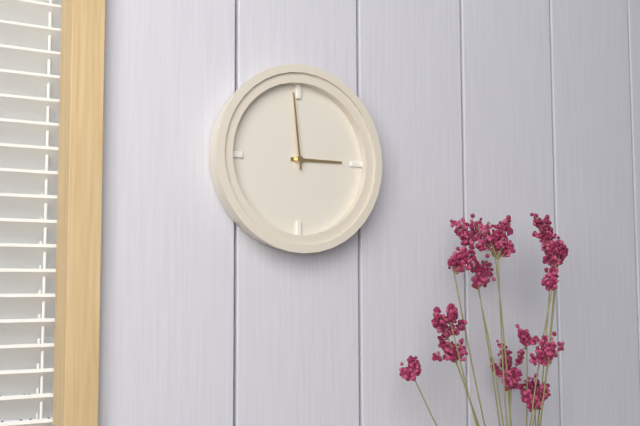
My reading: 2:59
